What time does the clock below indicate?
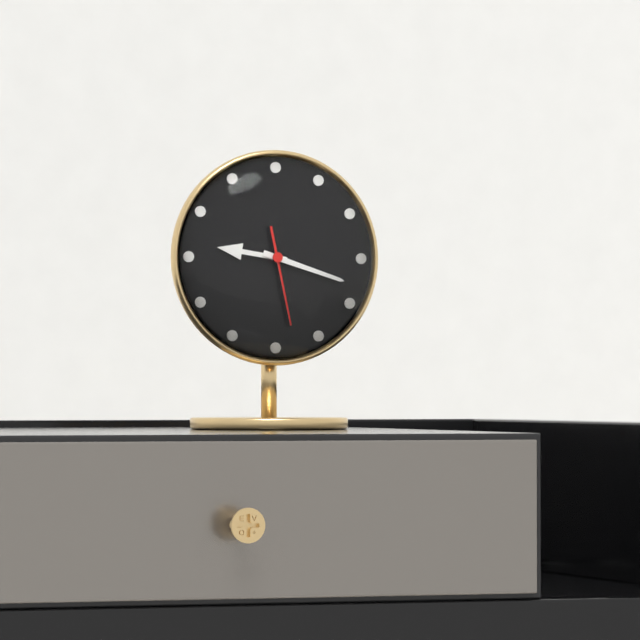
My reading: 9:18:28
